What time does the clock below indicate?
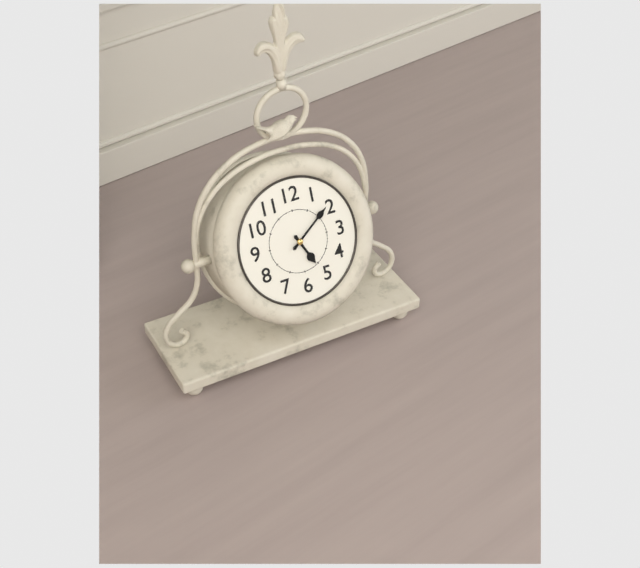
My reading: 5:09
